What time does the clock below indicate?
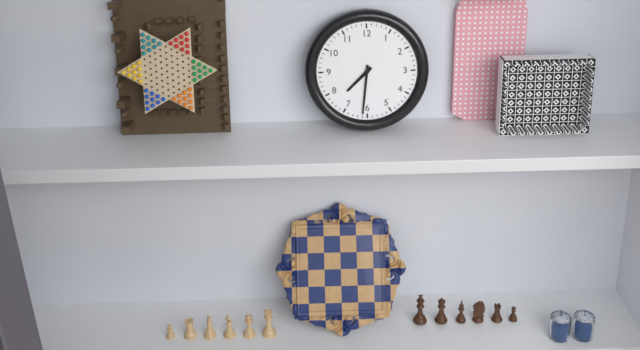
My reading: 7:31
